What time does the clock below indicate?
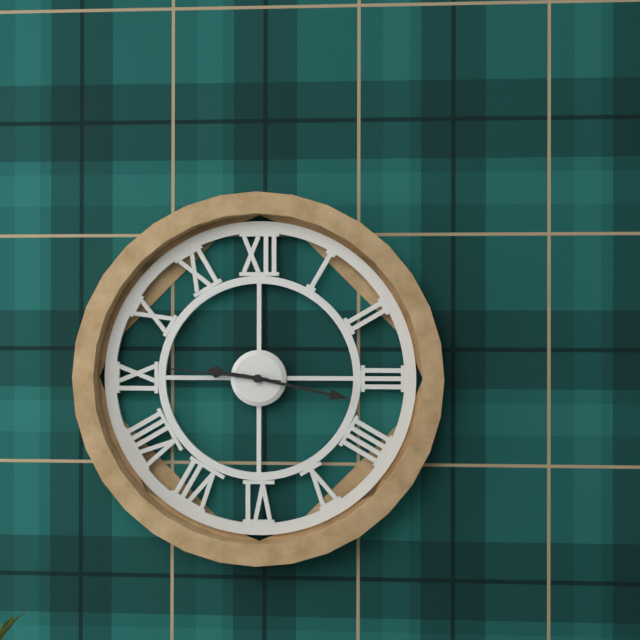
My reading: 9:17:46
